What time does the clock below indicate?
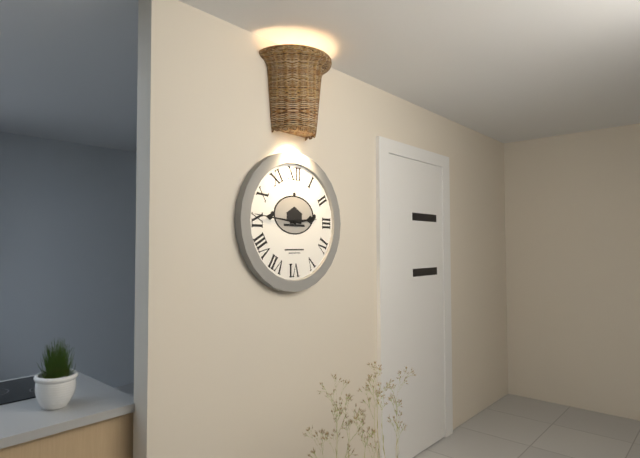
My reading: 2:46
